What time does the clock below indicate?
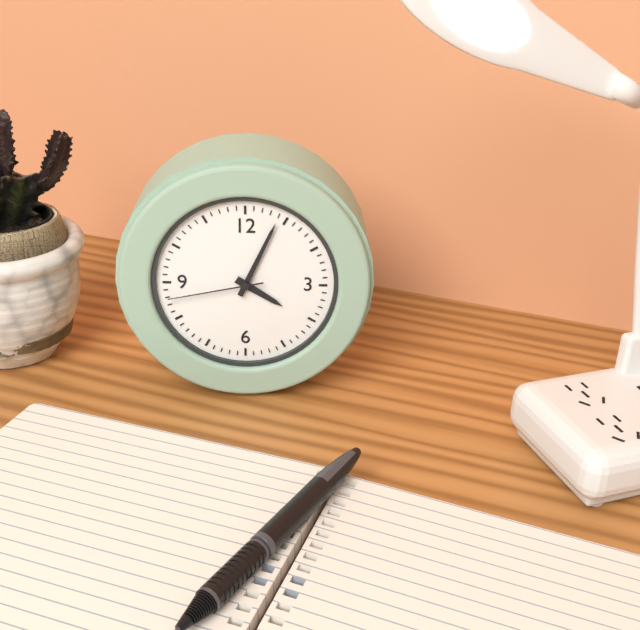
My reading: 4:04:43
